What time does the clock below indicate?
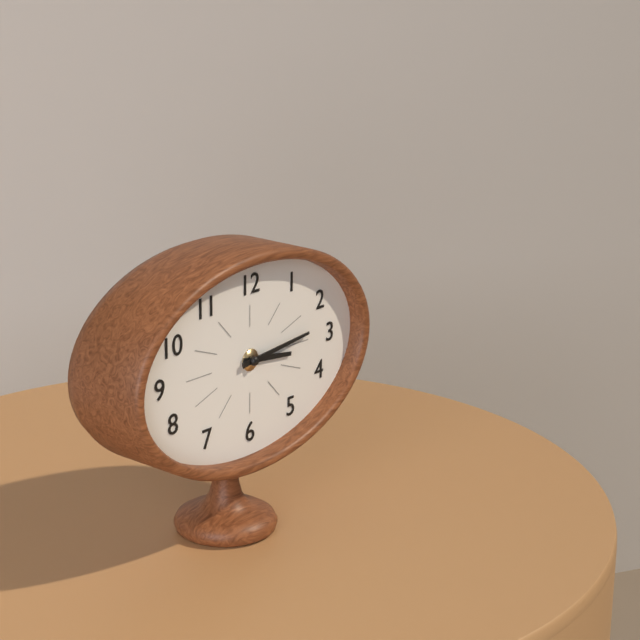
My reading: 3:14
